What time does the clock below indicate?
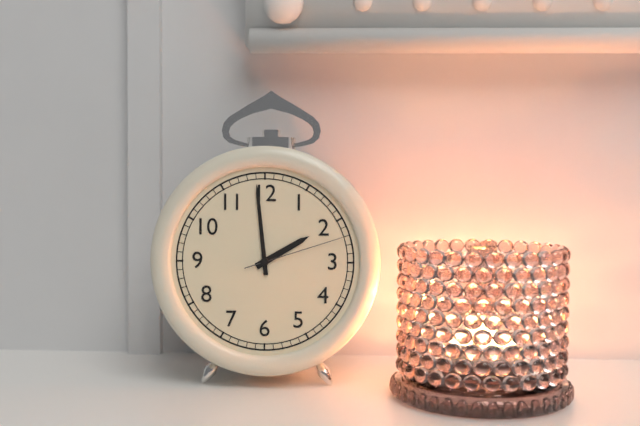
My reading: 1:59:12
